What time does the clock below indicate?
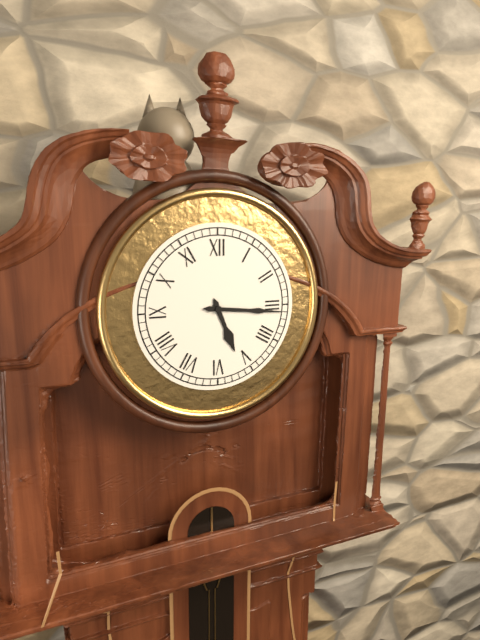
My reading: 5:16
